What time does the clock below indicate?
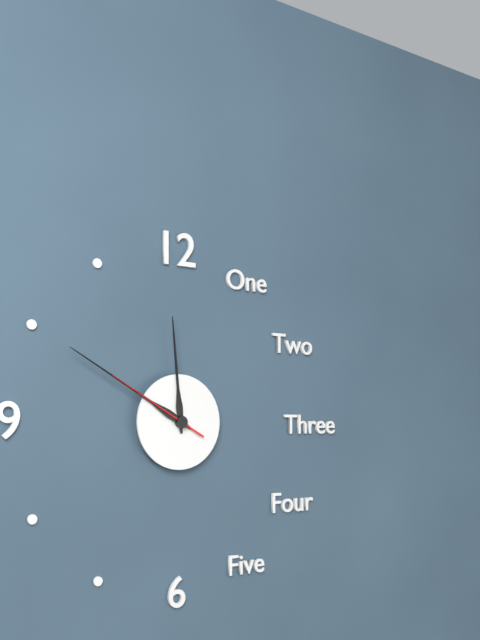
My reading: 11:50:50
